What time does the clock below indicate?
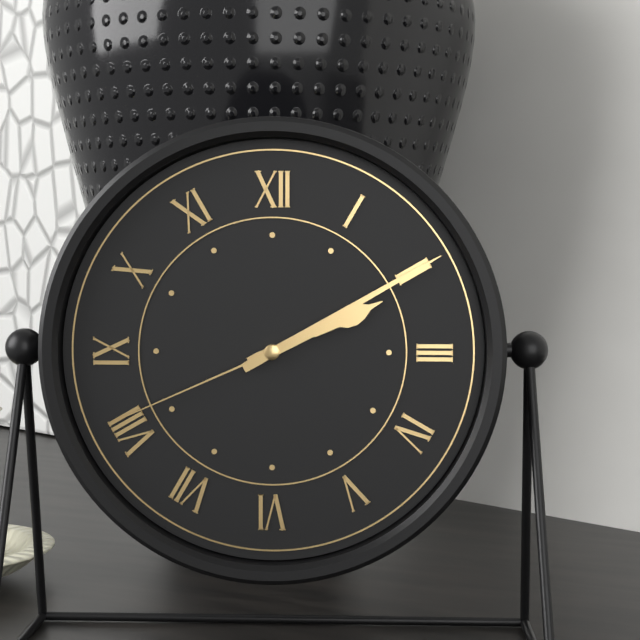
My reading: 2:10:41
